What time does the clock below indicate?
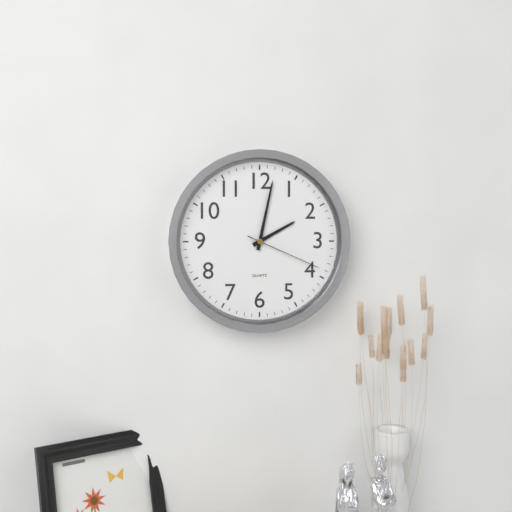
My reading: 2:02:19
